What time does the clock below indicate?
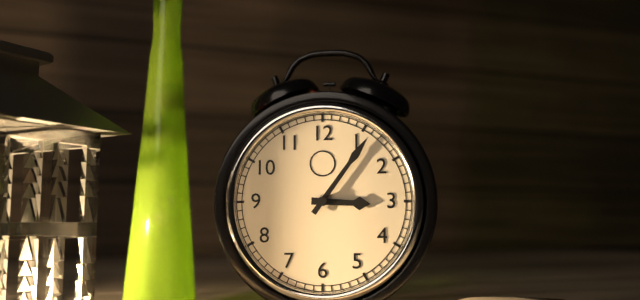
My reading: 3:06
